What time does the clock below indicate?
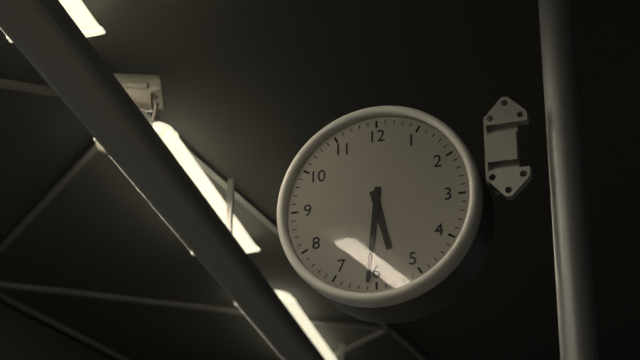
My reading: 5:31
